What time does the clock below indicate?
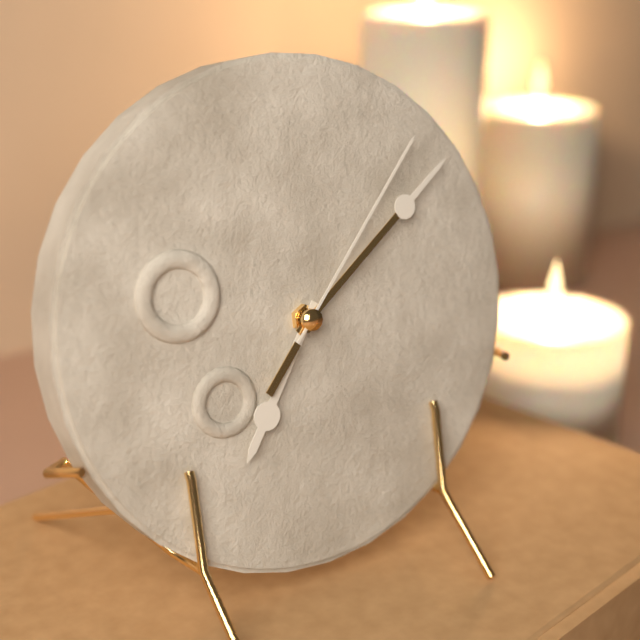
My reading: 7:09:07
